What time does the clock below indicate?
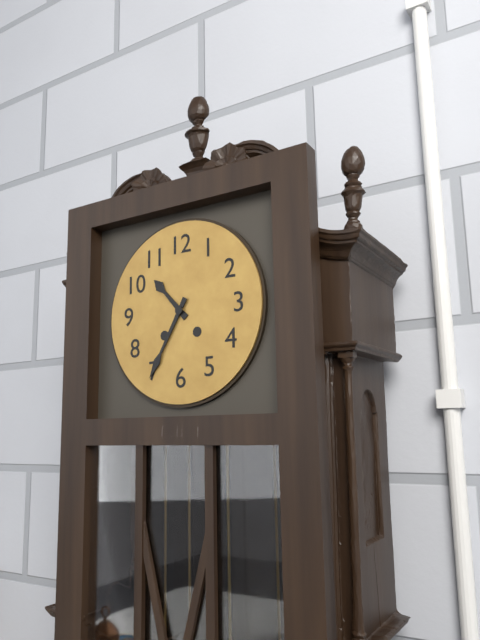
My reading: 10:35
